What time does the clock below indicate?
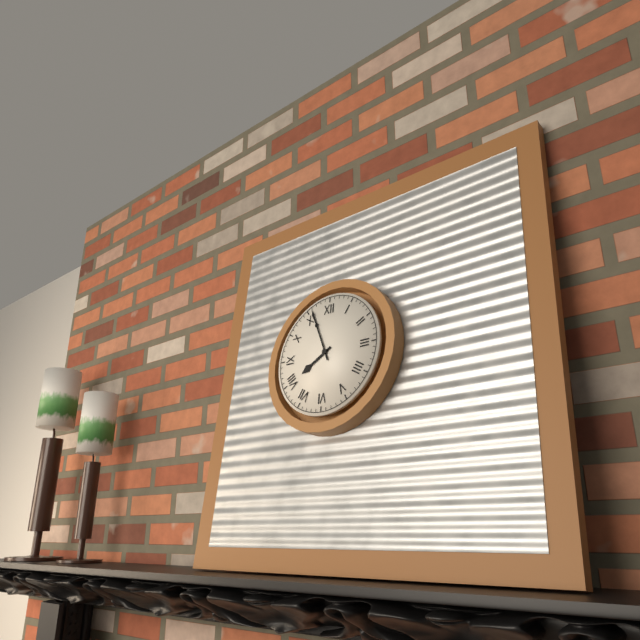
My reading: 7:56
